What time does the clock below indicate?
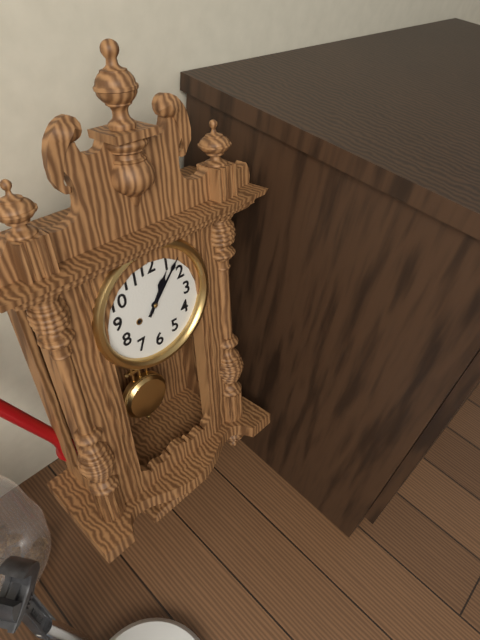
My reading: 1:07
